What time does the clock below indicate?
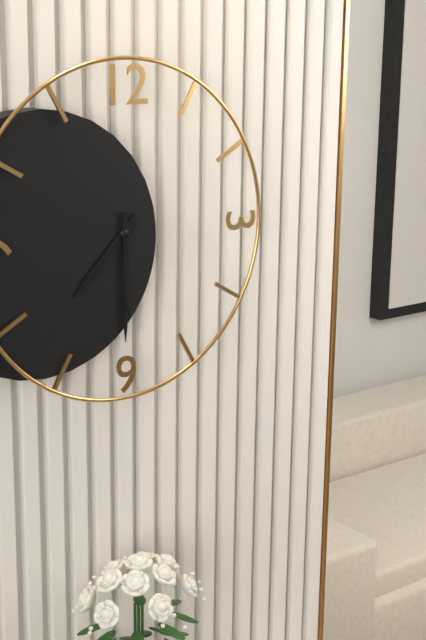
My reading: 7:30
